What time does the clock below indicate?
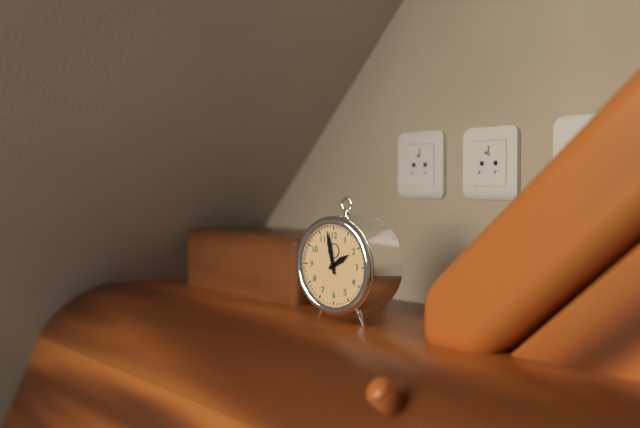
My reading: 1:58
